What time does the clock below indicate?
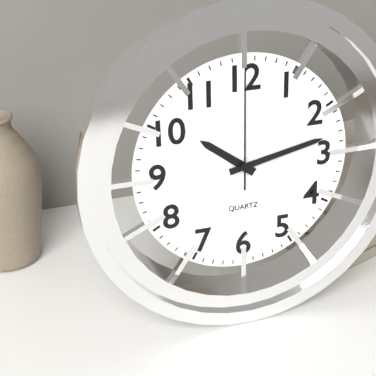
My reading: 10:13:00
